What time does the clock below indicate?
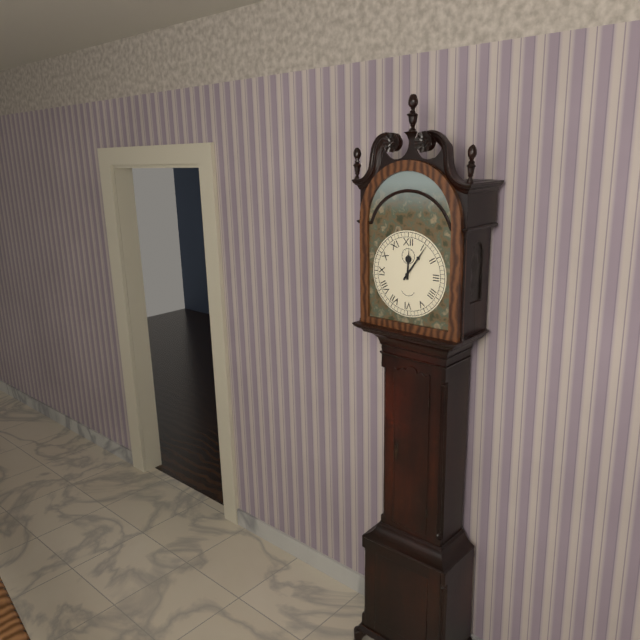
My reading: 12:06
